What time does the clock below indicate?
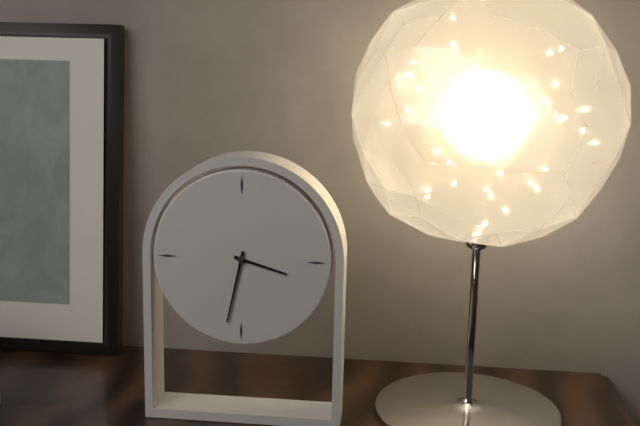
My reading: 3:32
